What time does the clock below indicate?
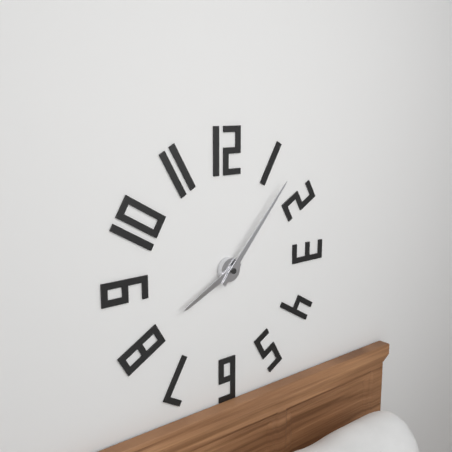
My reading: 8:07
